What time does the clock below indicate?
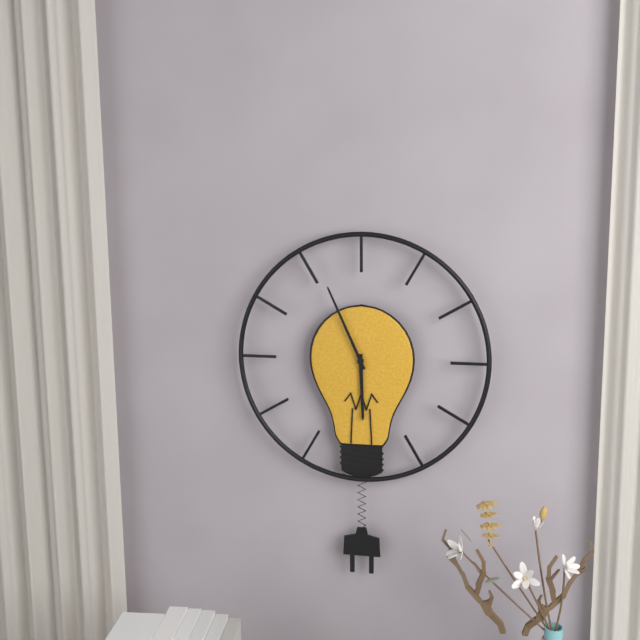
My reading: 5:56
